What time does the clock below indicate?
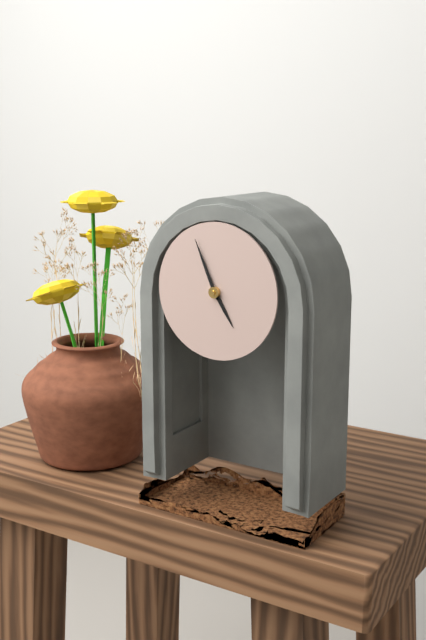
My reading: 4:56
